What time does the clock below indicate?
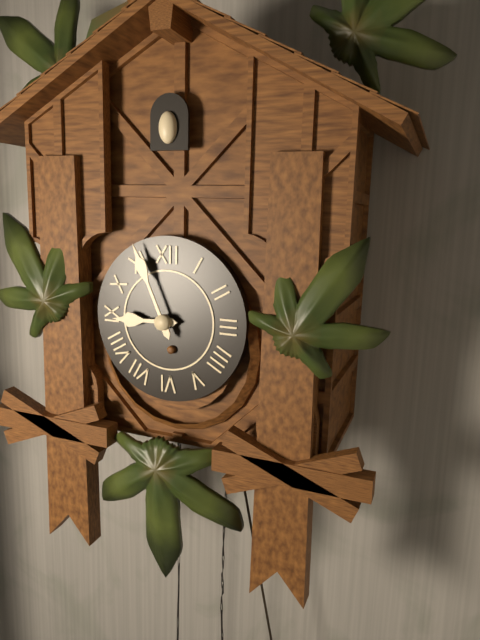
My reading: 8:56
